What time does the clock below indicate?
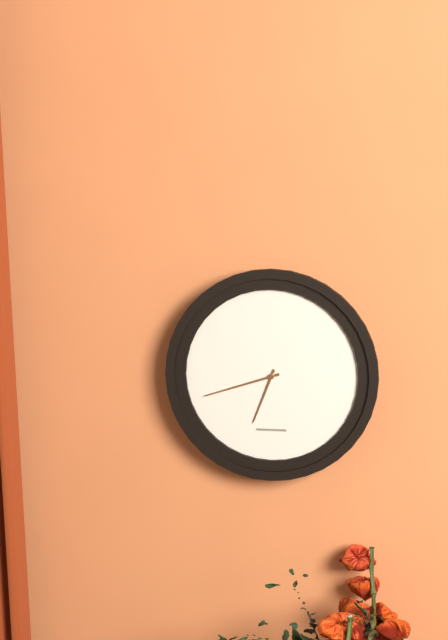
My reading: 6:42
